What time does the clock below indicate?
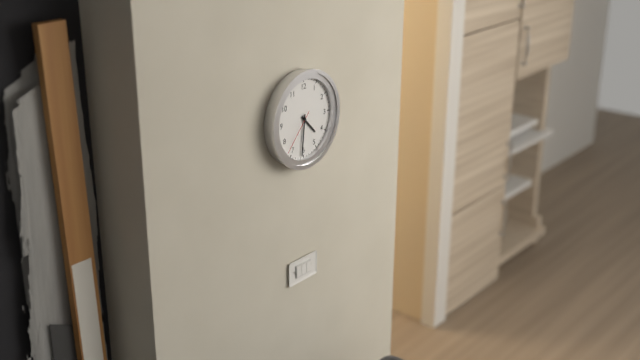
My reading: 4:31
